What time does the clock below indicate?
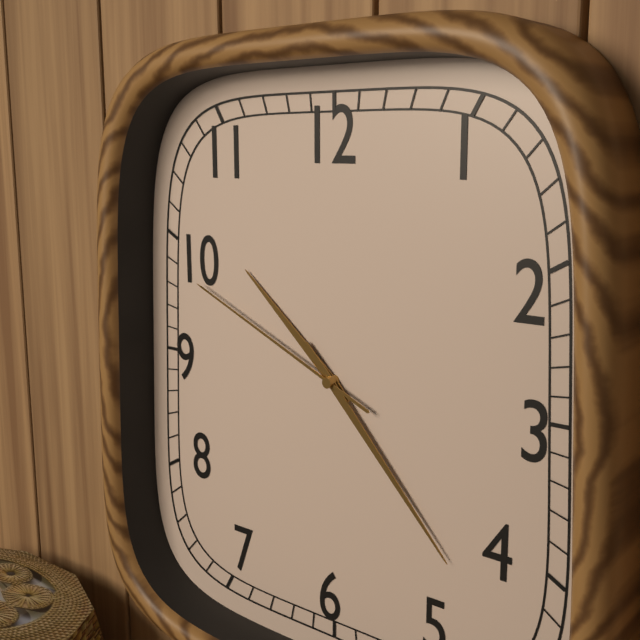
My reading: 10:23:49
